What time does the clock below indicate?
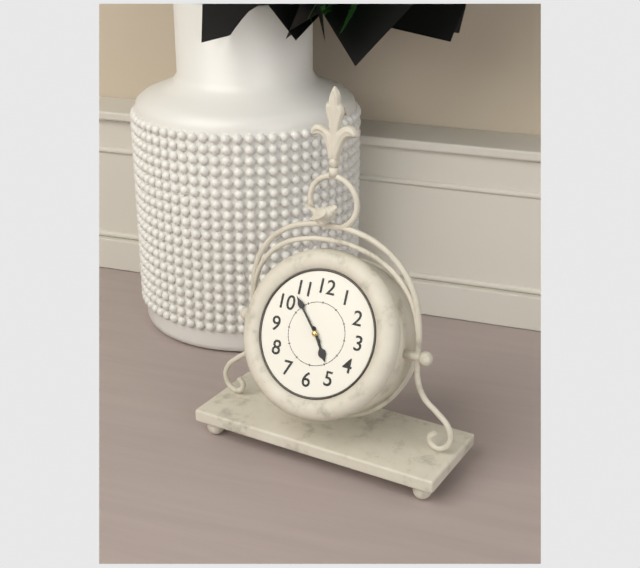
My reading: 4:53
